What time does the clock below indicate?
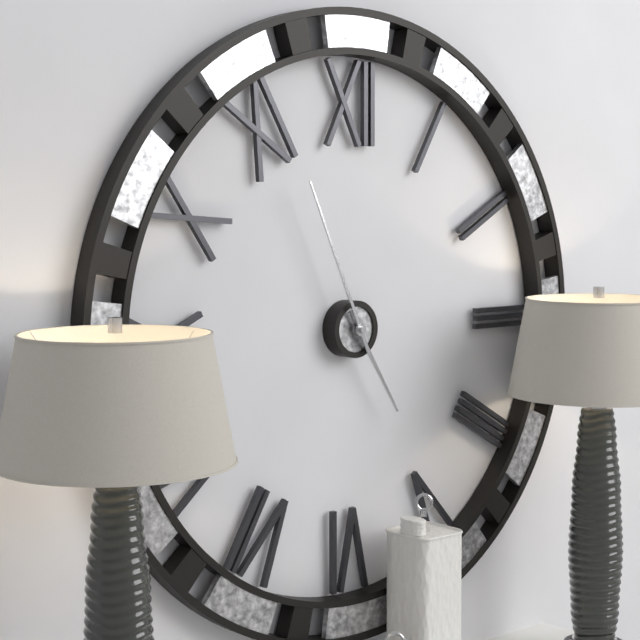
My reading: 4:56
